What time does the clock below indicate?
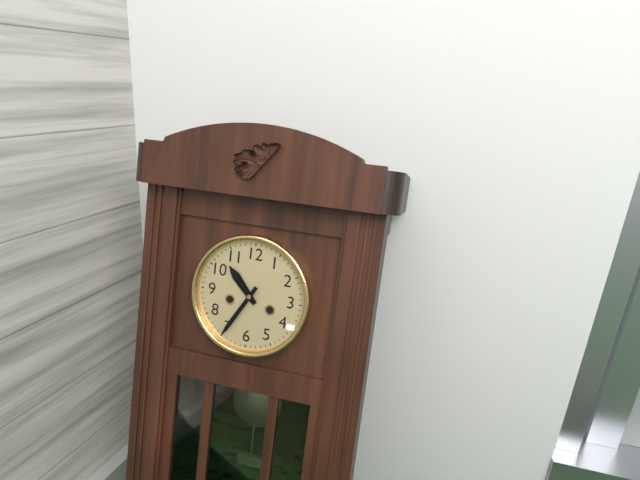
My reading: 10:35
